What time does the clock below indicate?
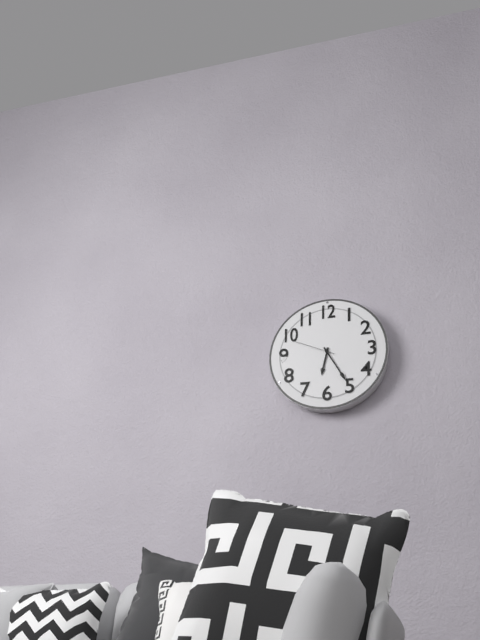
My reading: 6:25
